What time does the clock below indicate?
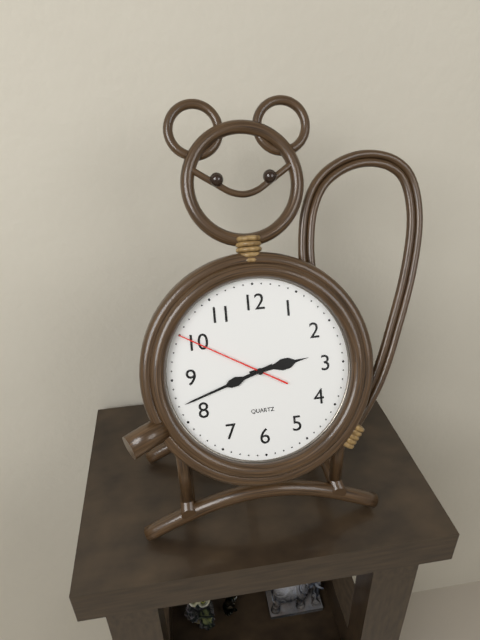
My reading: 2:42:50
